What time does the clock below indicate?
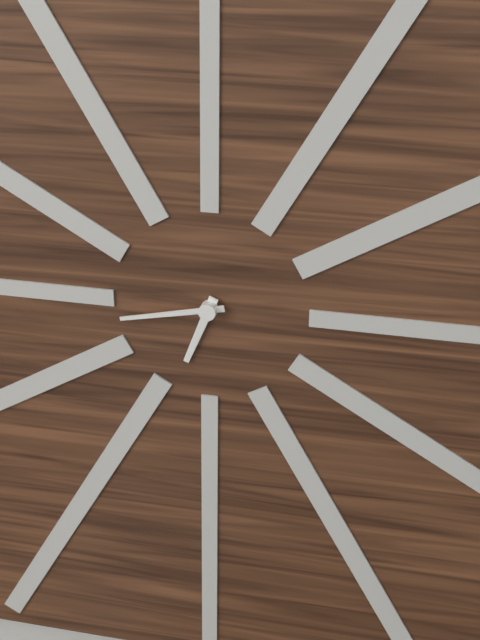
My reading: 6:43
